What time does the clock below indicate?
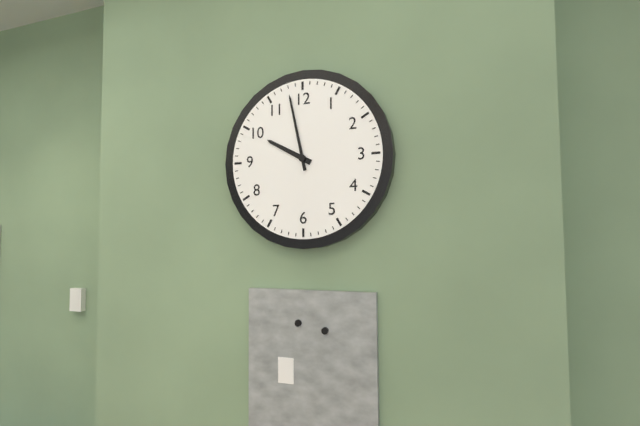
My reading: 9:58
